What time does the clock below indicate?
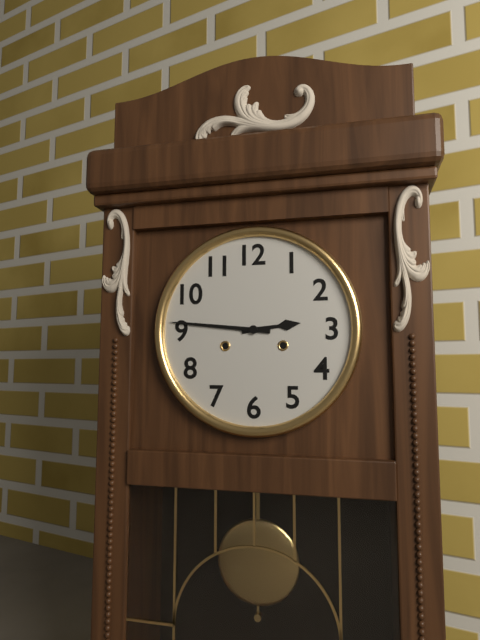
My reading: 2:46
